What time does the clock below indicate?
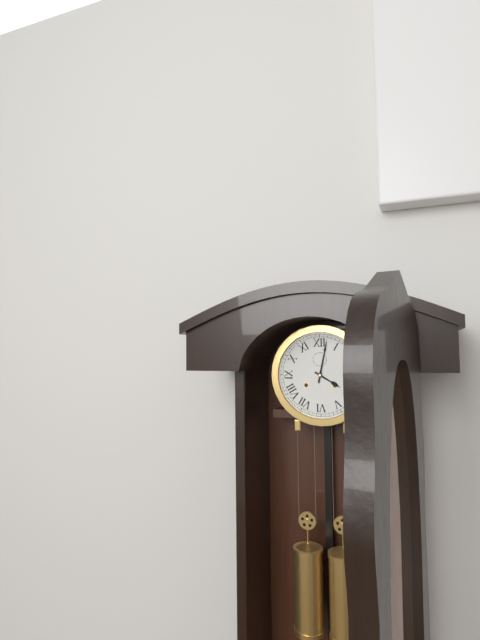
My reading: 4:02
